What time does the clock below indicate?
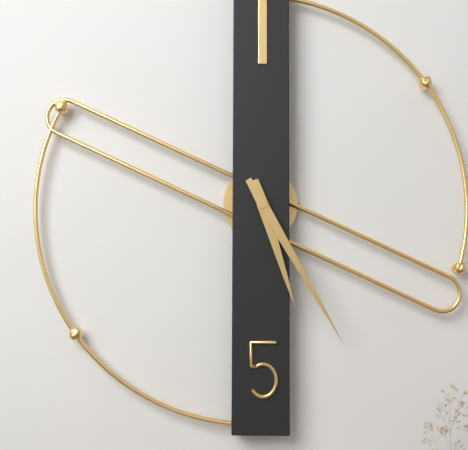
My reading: 5:25
